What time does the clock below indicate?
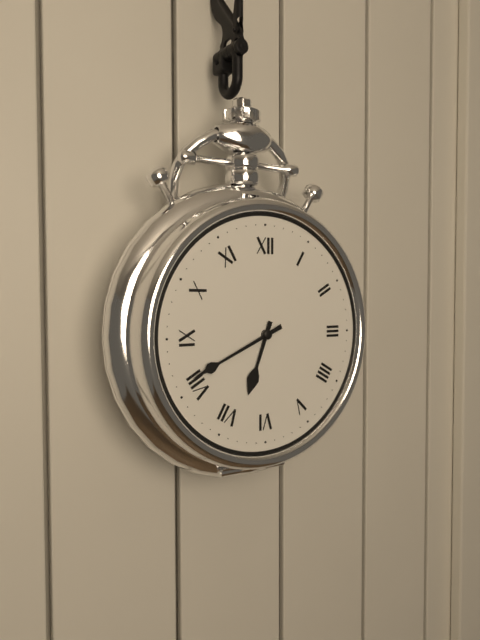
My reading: 6:41
